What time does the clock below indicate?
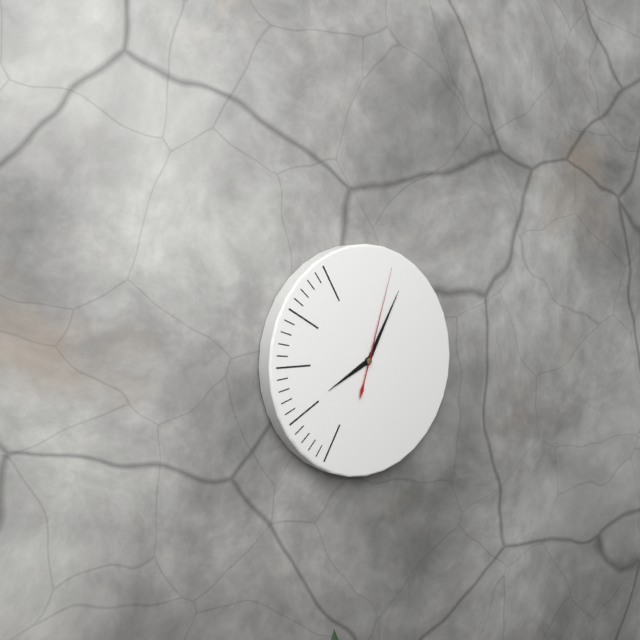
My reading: 8:05:03
